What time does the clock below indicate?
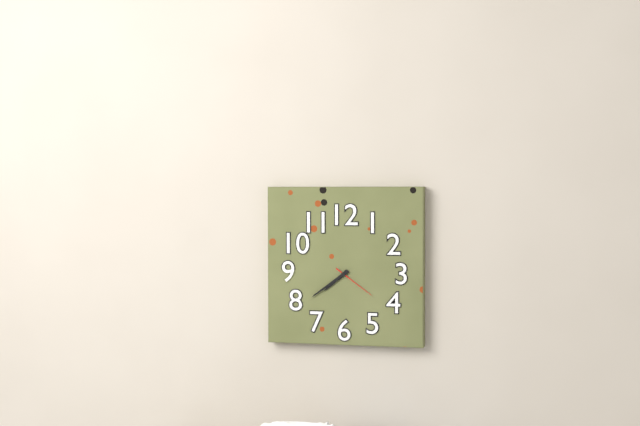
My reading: 7:39
